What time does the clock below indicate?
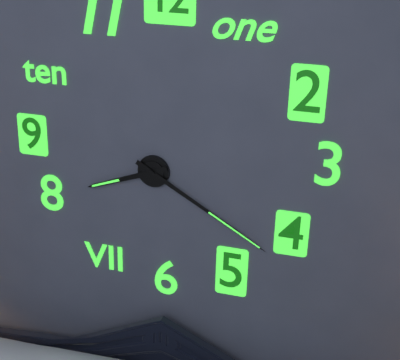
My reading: 8:20
